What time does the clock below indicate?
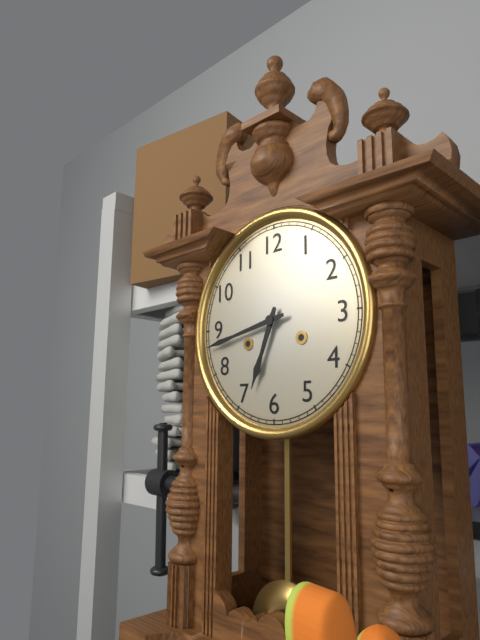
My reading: 6:43
